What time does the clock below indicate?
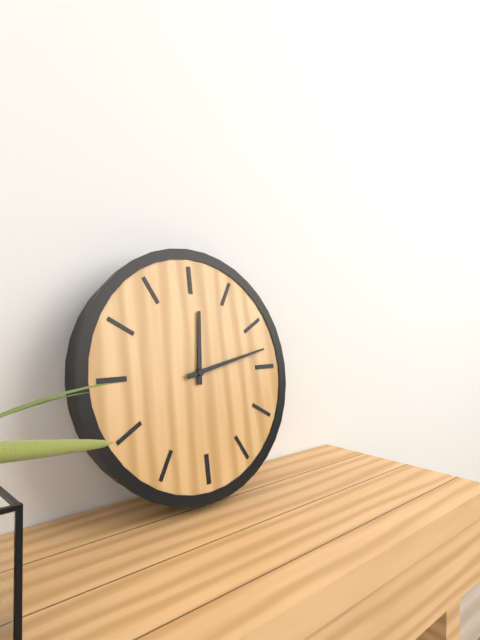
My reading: 12:13
